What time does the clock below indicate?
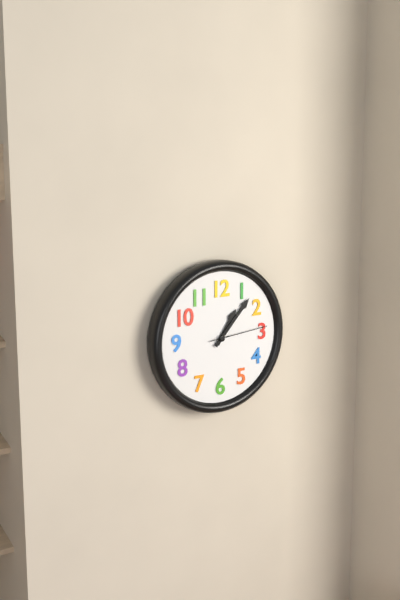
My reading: 1:07:14
